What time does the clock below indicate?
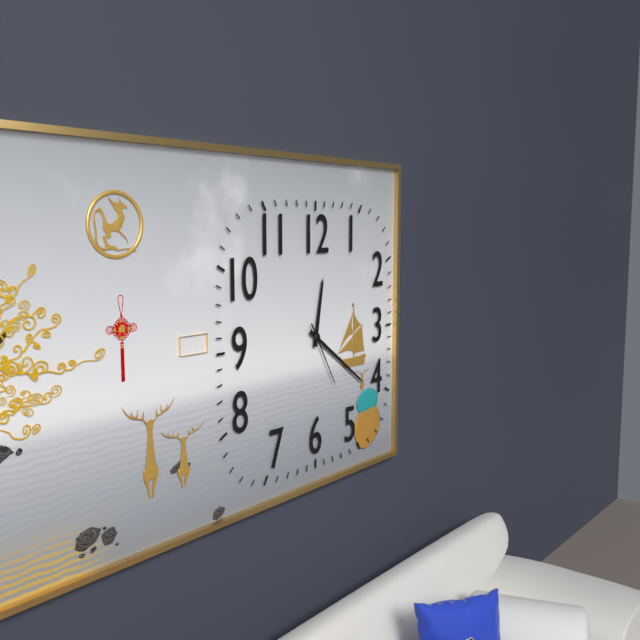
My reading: 12:21:25
